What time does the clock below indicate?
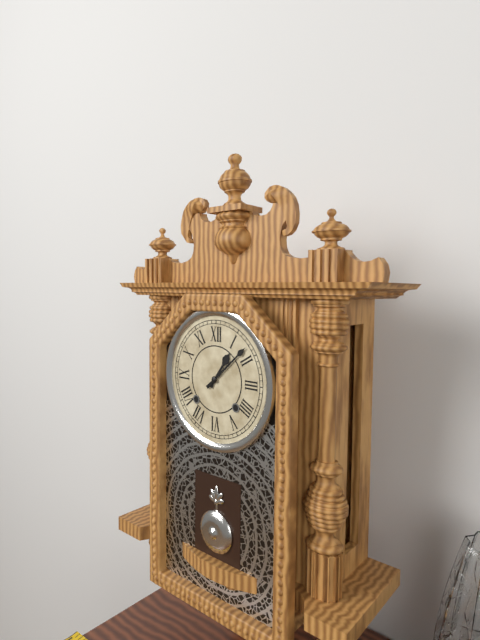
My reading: 1:08
